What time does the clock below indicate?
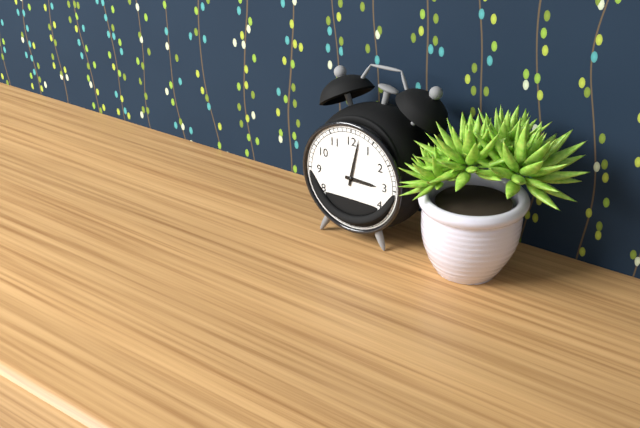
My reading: 3:02
